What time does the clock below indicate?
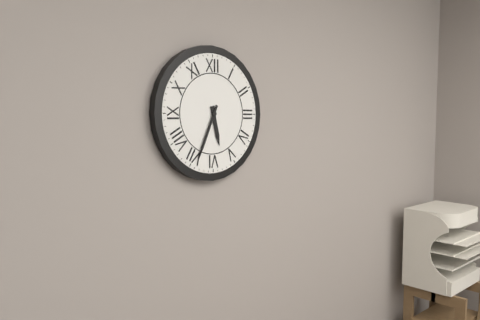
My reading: 5:34
